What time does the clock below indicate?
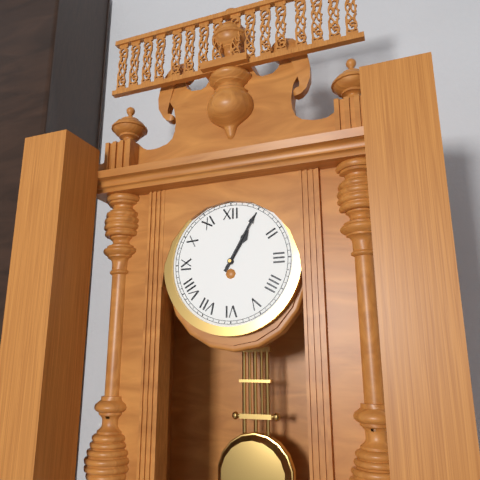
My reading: 1:05
